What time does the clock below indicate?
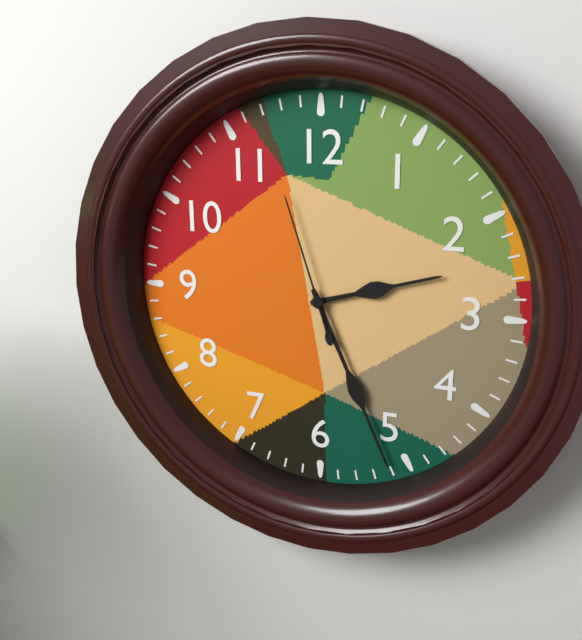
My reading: 2:26:57
